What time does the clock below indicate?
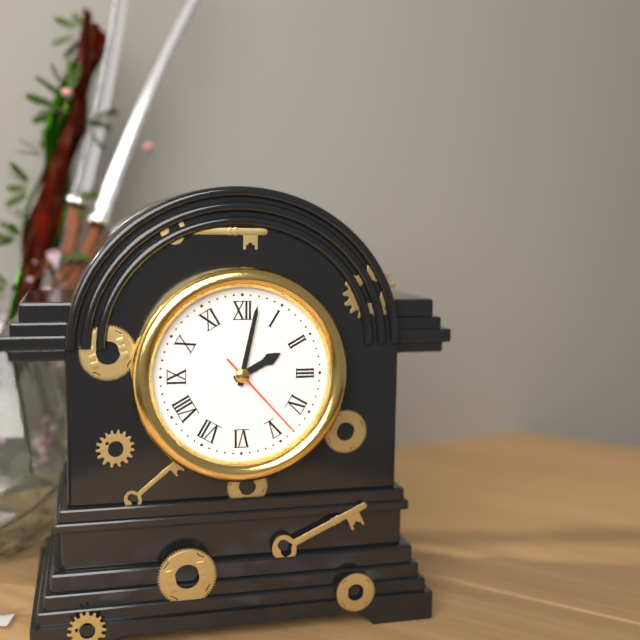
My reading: 2:02:23
